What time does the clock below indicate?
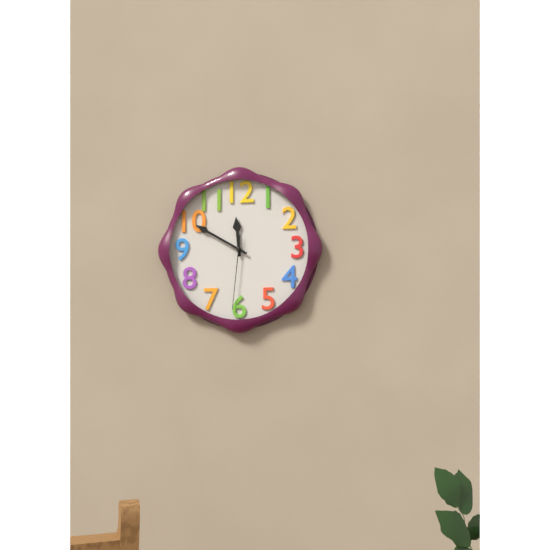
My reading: 11:50:31
